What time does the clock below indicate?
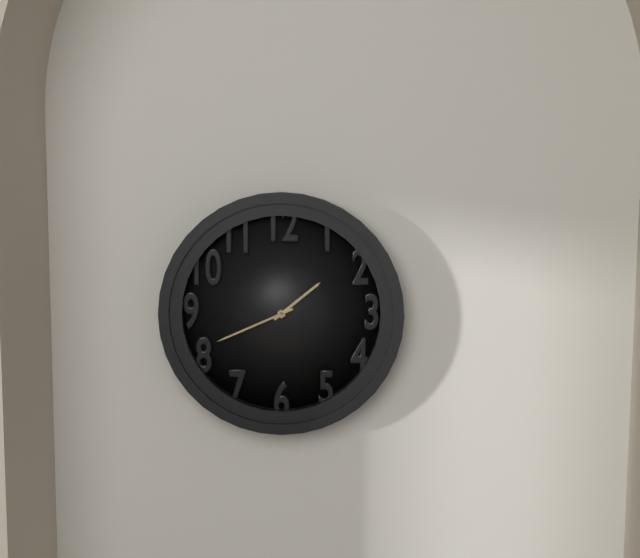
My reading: 1:41
